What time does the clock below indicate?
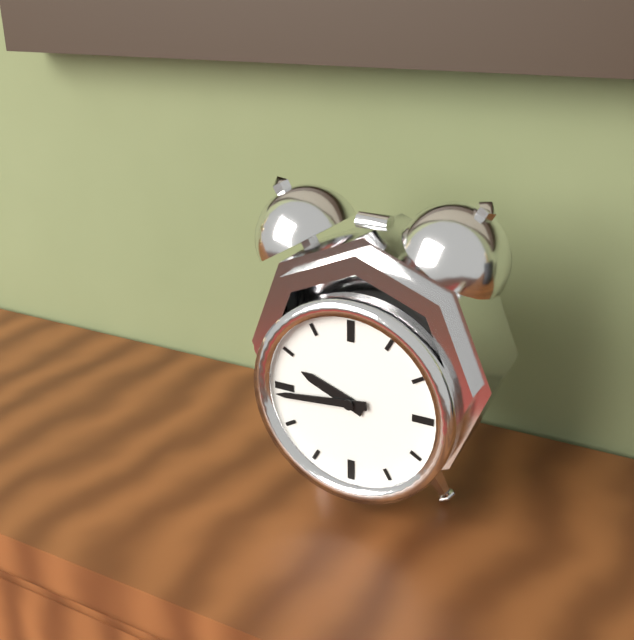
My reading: 9:44
